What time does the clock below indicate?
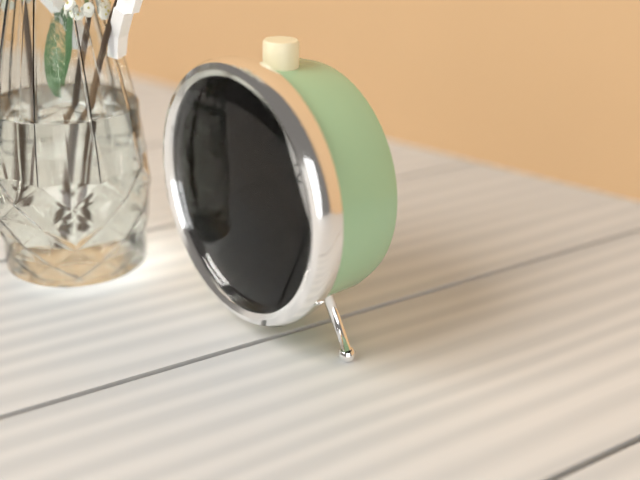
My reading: 9:40
